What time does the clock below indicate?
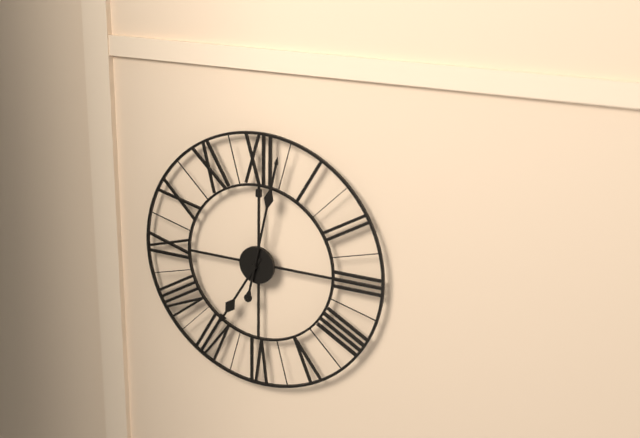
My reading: 7:02
